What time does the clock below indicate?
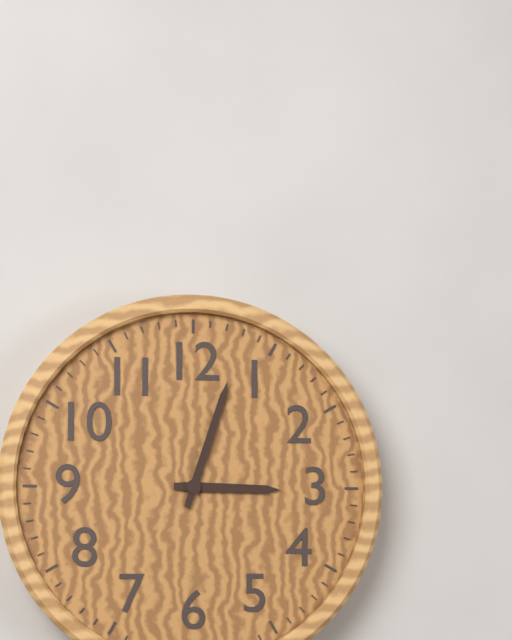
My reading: 3:03
